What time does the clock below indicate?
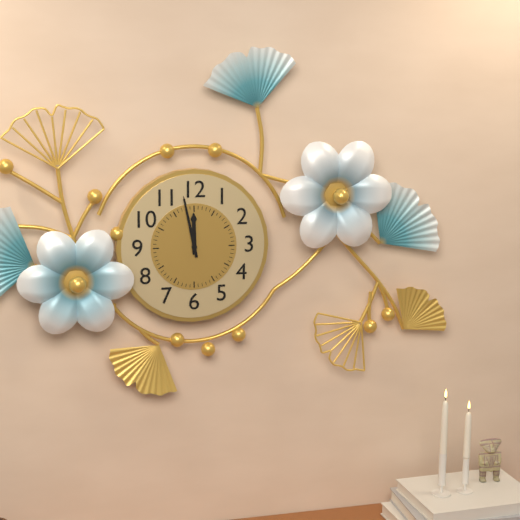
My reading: 11:58
